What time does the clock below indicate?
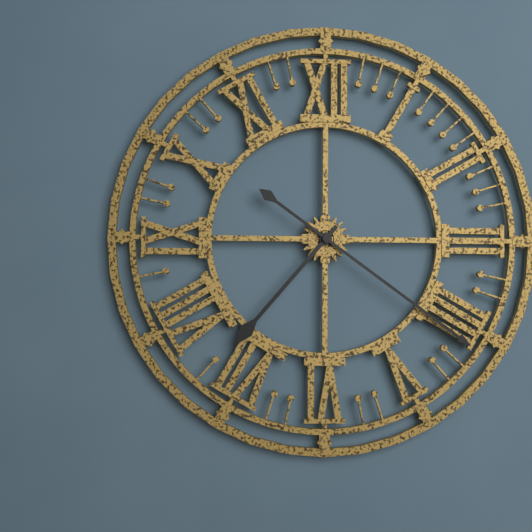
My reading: 7:21
